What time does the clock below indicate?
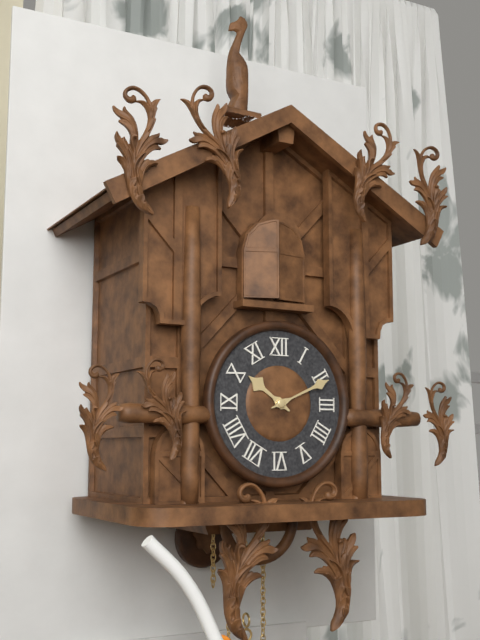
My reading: 10:11
